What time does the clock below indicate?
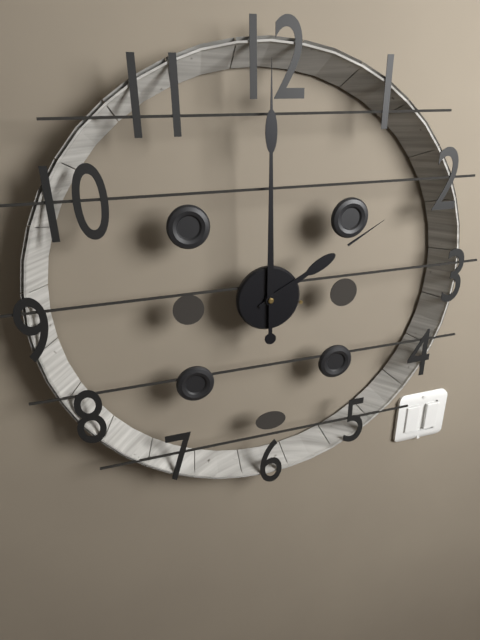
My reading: 2:00
